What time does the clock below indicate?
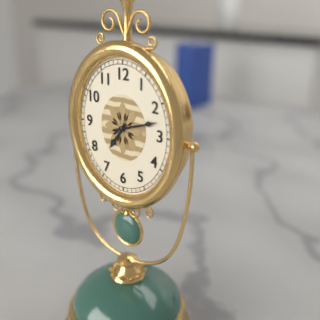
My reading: 7:12
